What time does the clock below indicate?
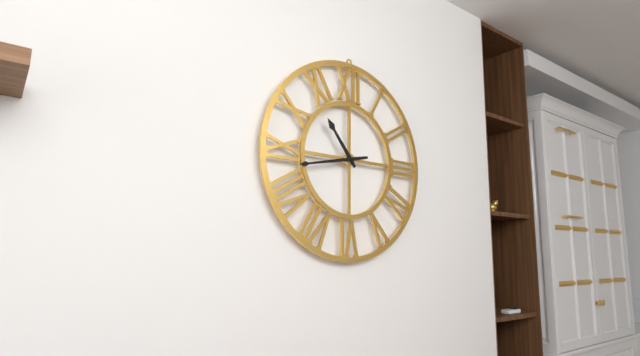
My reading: 10:43
